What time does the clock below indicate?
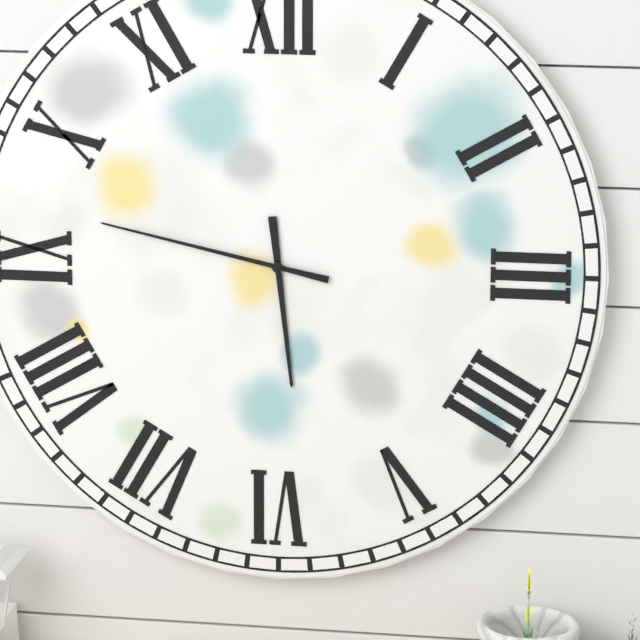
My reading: 5:47
